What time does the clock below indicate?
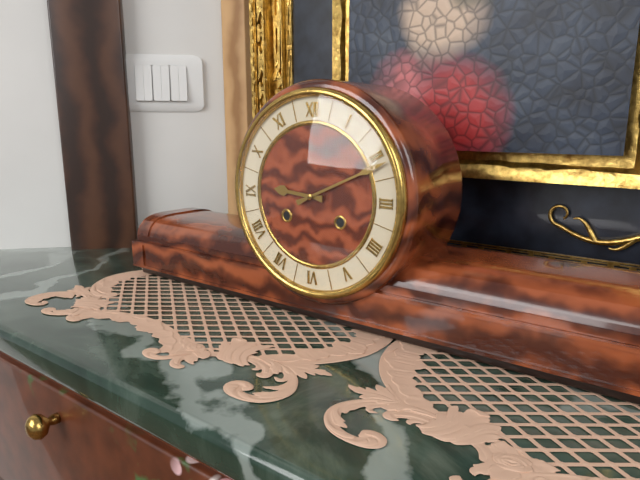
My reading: 9:11
